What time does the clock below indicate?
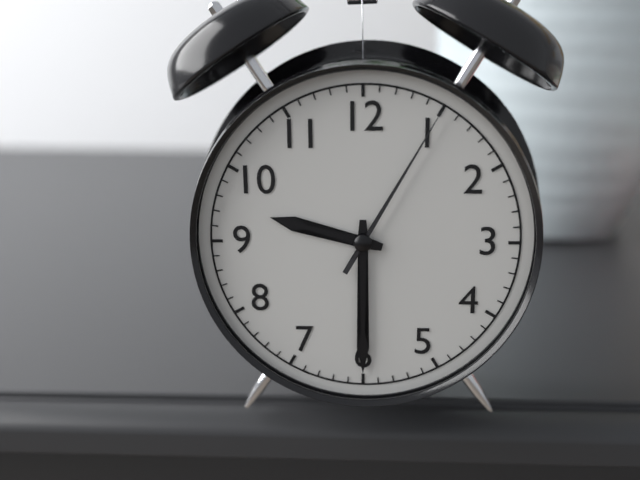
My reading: 9:30:05
